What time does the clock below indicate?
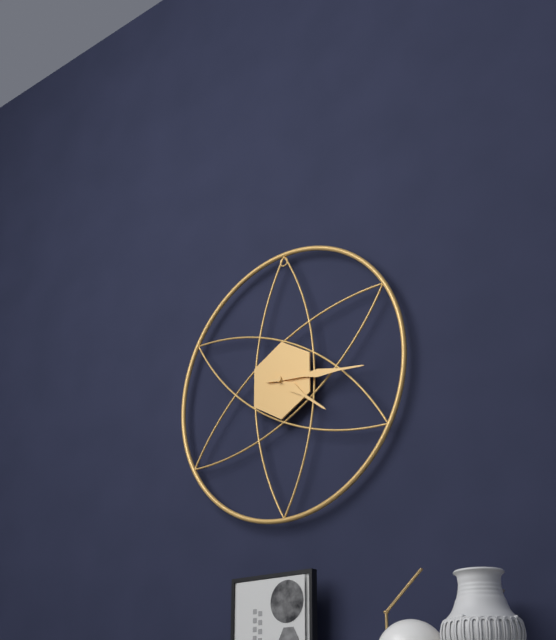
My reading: 4:16
